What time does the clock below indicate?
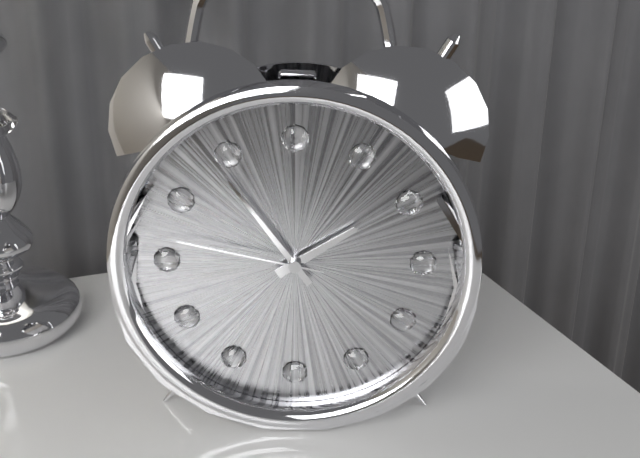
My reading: 1:54:47
